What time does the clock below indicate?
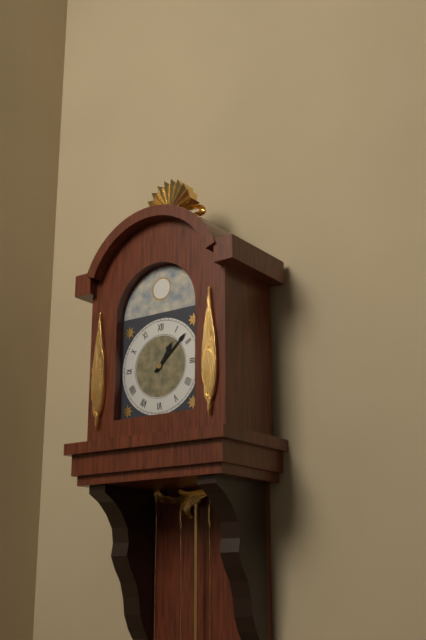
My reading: 1:08
